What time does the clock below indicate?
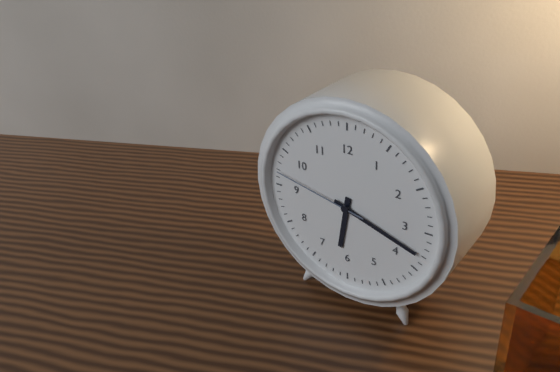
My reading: 6:18:47
